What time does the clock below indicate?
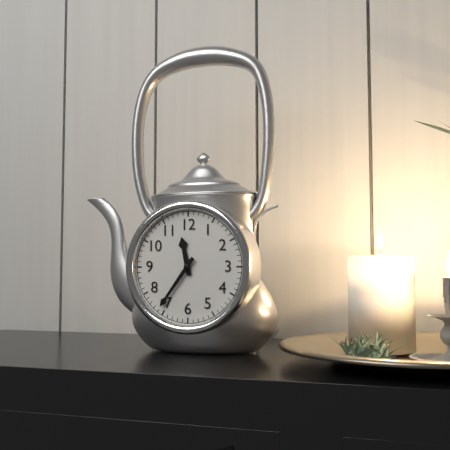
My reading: 11:36
